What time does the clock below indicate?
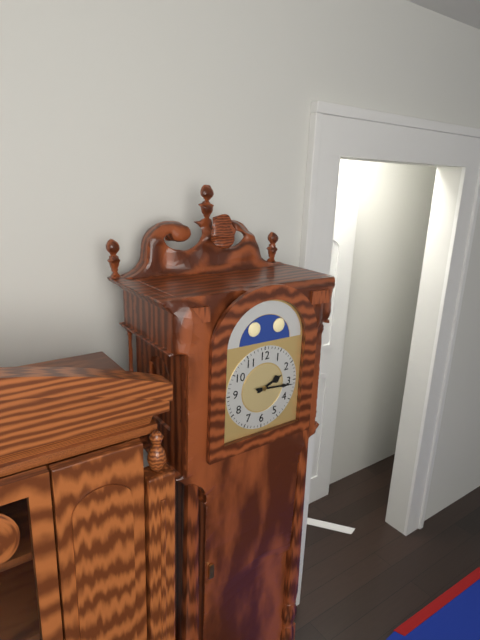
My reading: 2:16
